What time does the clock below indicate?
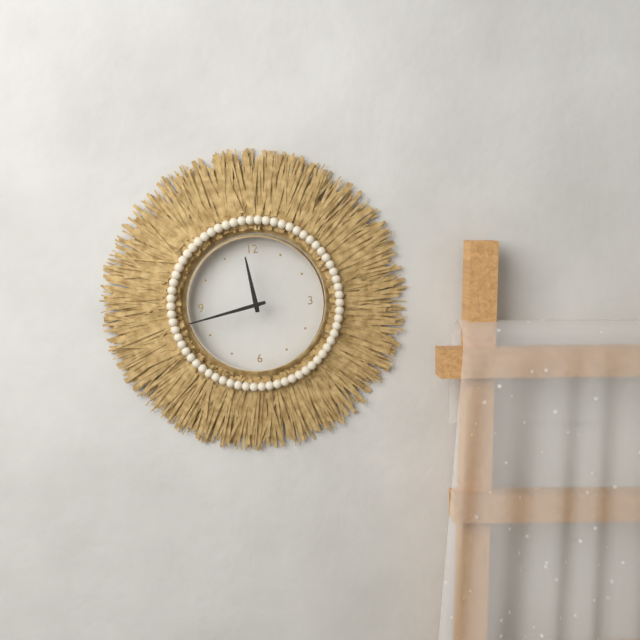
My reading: 11:43
